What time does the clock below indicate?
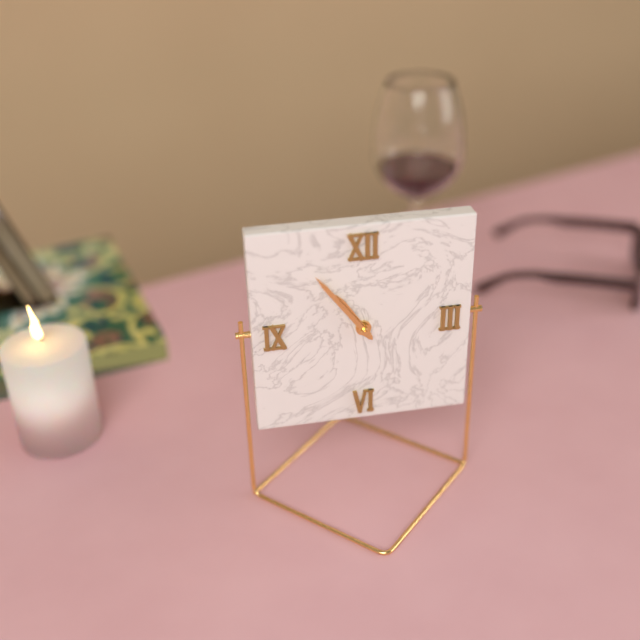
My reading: 10:54
